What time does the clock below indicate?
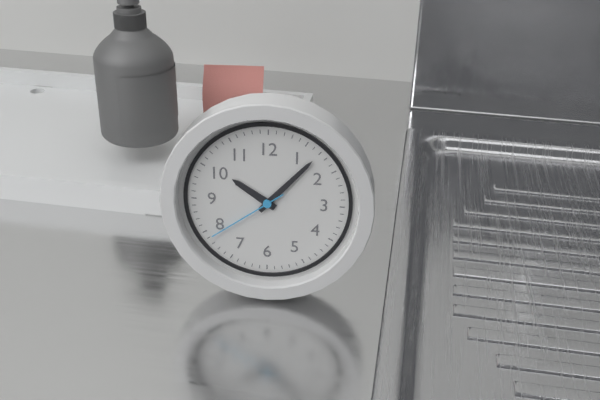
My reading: 10:07:39
